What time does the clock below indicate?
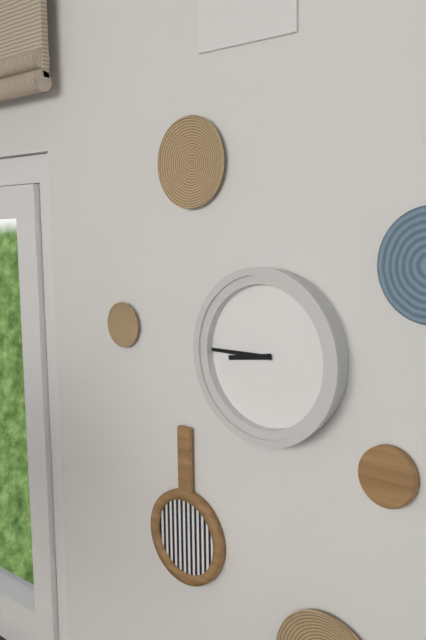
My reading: 8:45
